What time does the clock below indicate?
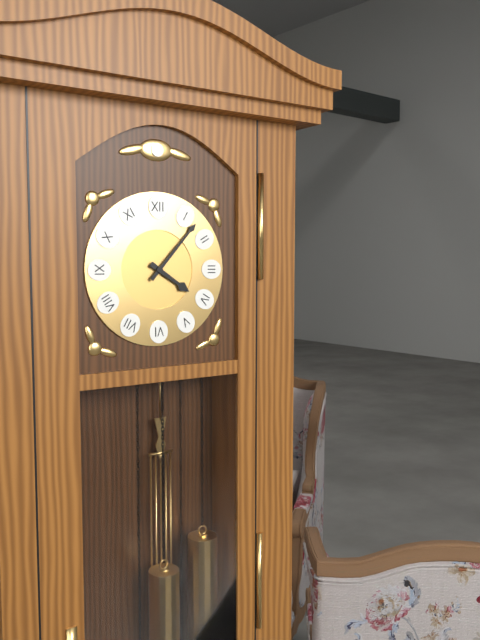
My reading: 4:07
